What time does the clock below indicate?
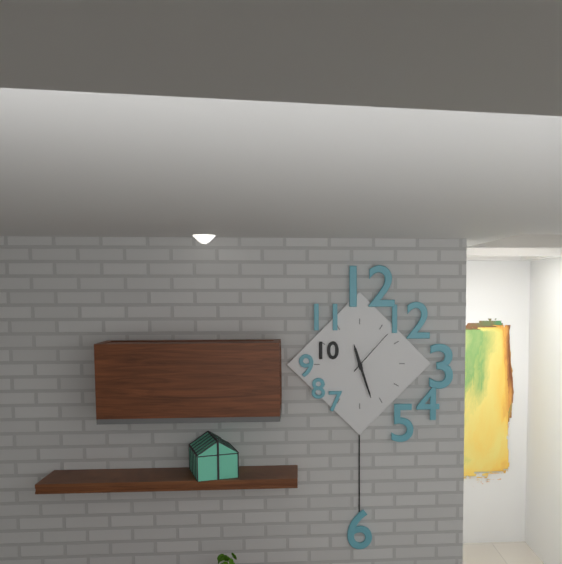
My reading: 11:27:07
